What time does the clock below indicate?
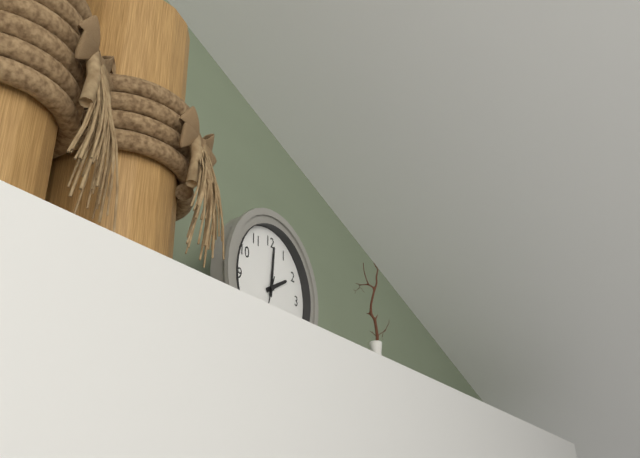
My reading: 2:01
